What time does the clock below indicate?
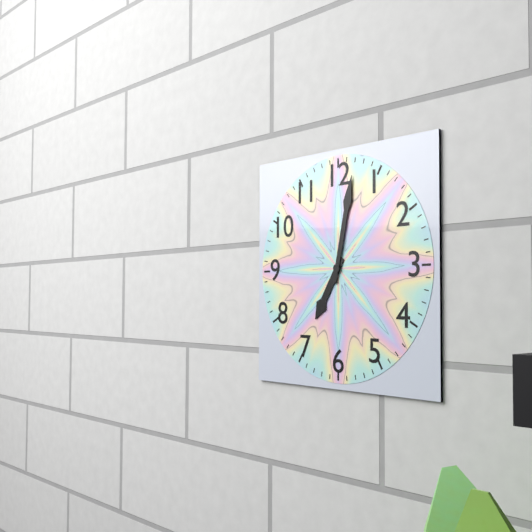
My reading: 7:02
